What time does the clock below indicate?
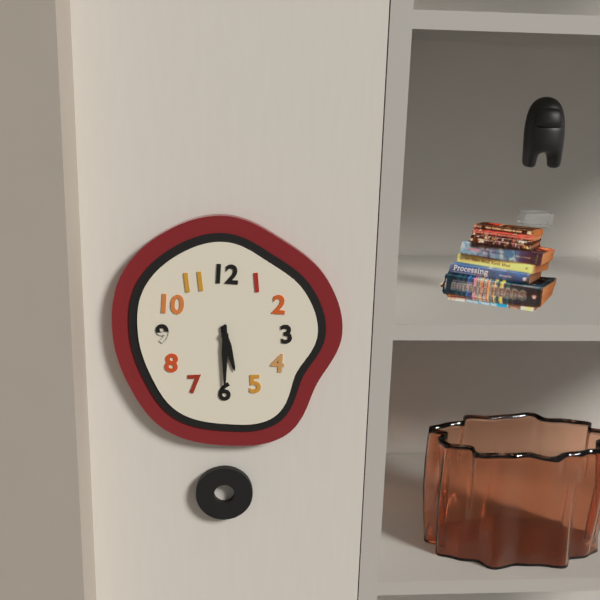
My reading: 5:30
